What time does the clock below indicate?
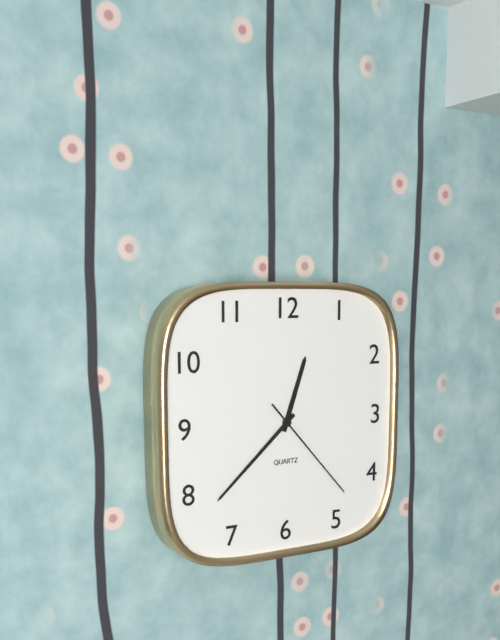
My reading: 12:38:23
